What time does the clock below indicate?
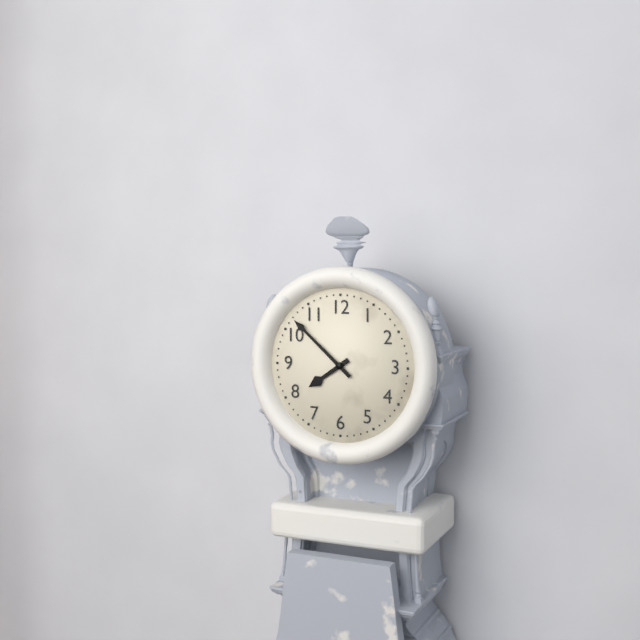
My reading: 7:52
